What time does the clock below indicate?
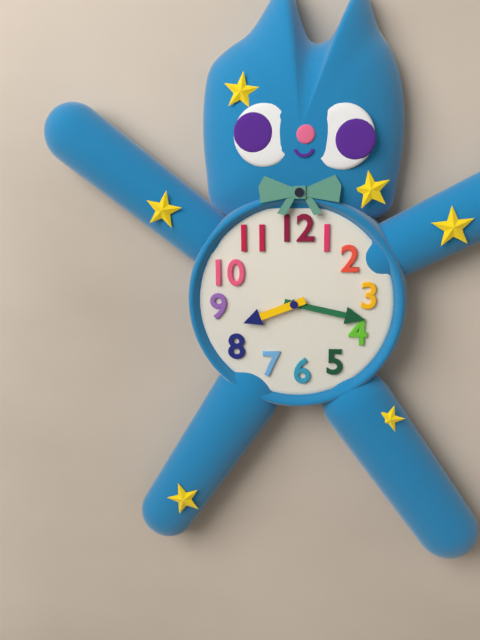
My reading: 8:17
